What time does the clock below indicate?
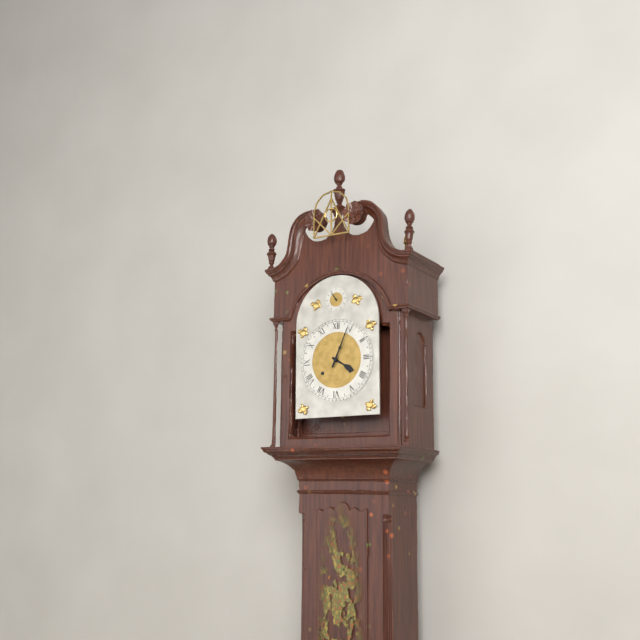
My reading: 4:04
